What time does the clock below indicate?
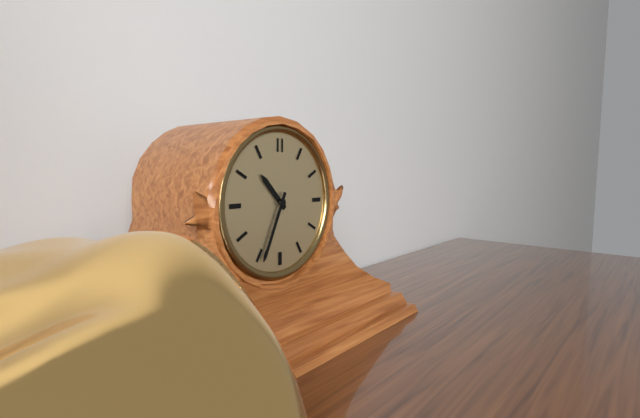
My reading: 10:34
